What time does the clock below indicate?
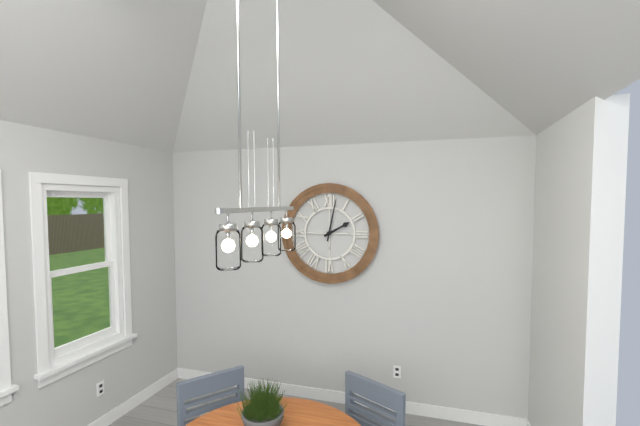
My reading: 2:02
